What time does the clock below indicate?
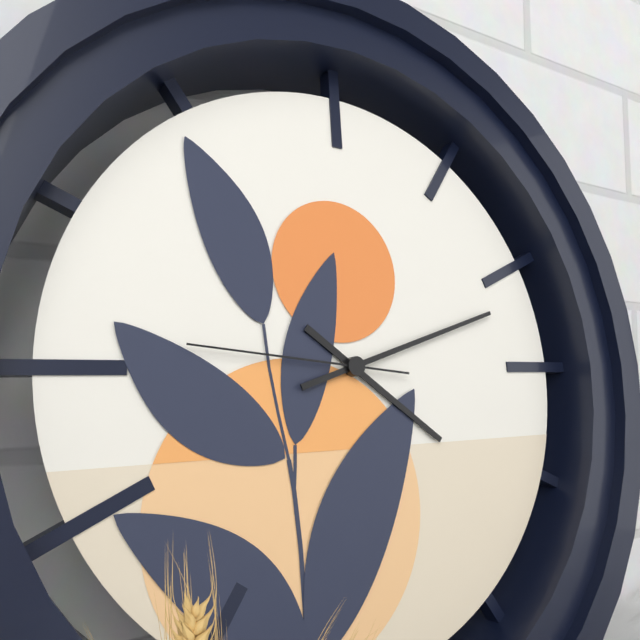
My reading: 4:12:46
